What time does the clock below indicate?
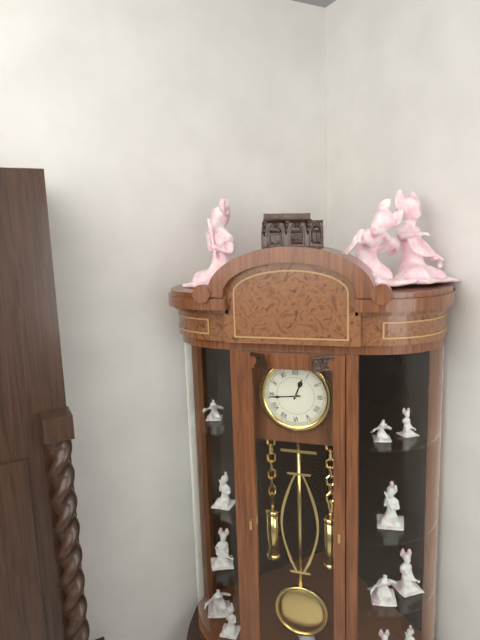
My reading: 12:44
